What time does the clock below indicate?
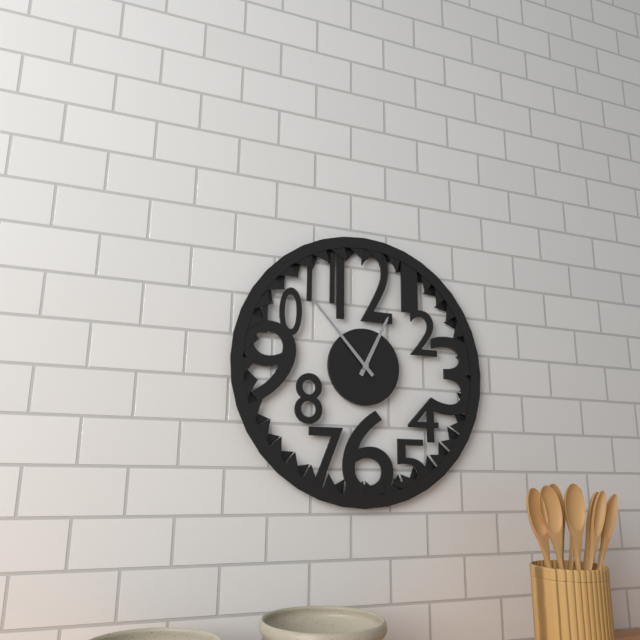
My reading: 12:53
